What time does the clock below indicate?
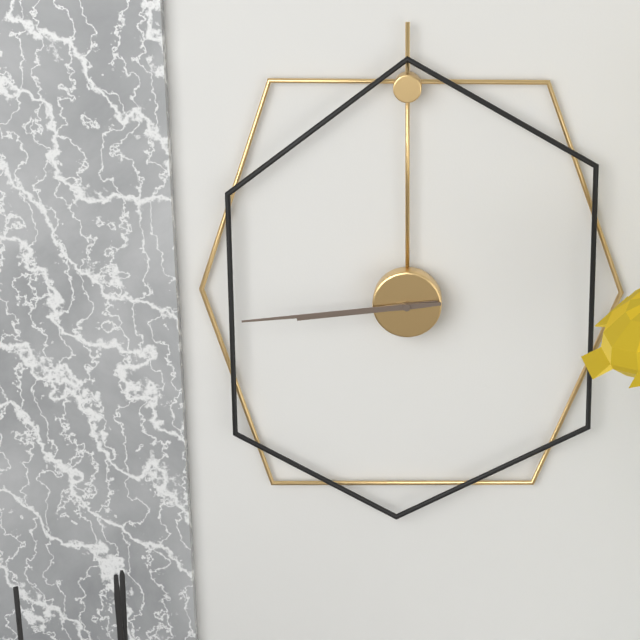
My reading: 8:44
